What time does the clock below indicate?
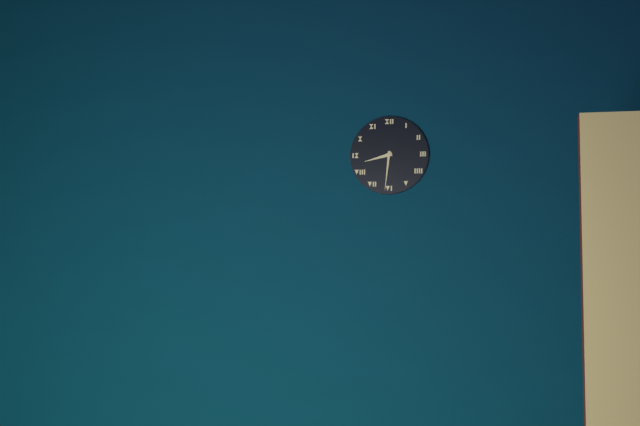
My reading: 8:31
